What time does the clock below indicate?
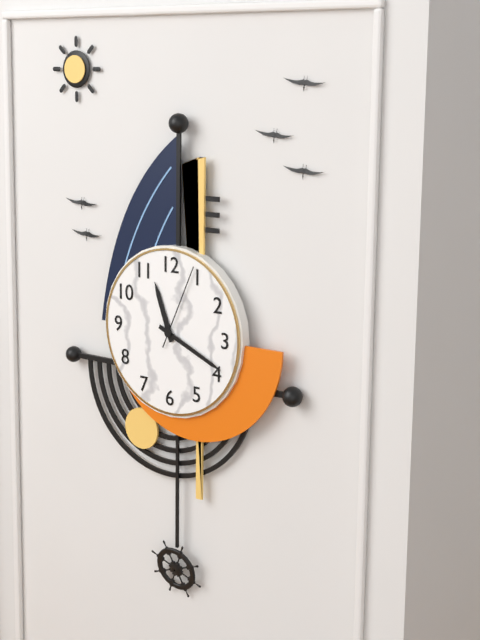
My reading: 11:19:04
